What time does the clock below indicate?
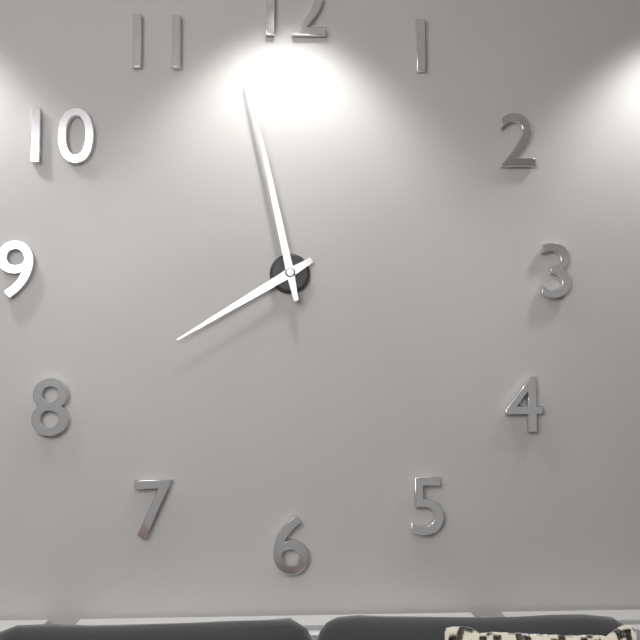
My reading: 7:58
